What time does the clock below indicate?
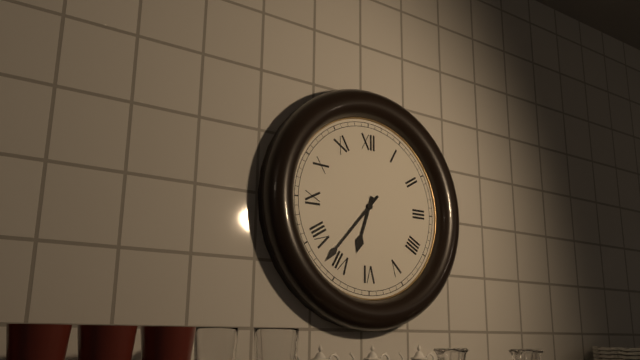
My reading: 6:37
